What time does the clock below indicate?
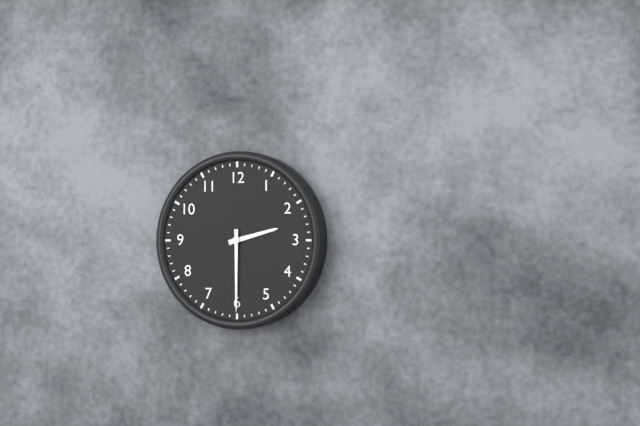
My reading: 2:30
